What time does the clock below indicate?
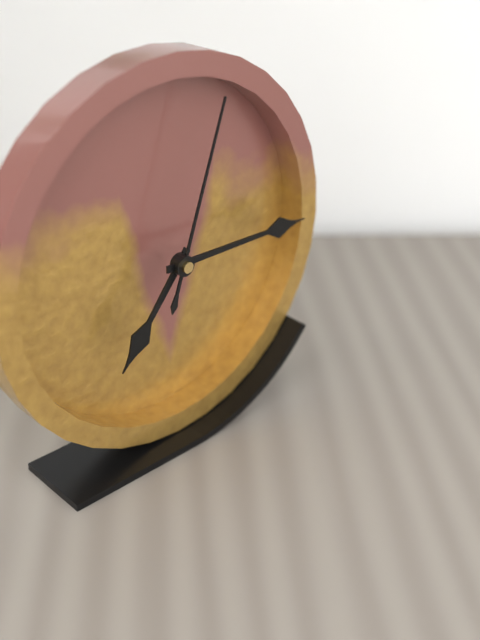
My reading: 7:15:03
